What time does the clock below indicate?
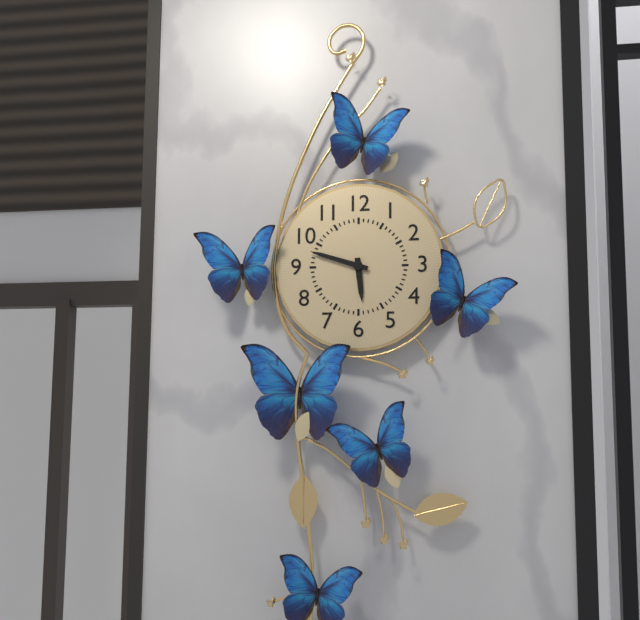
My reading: 5:48
